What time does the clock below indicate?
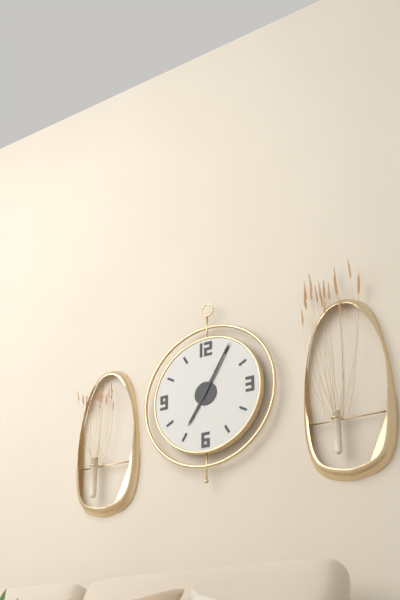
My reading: 7:05
